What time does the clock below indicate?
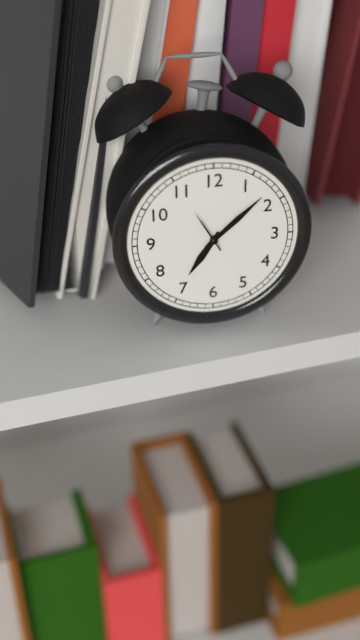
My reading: 7:08
